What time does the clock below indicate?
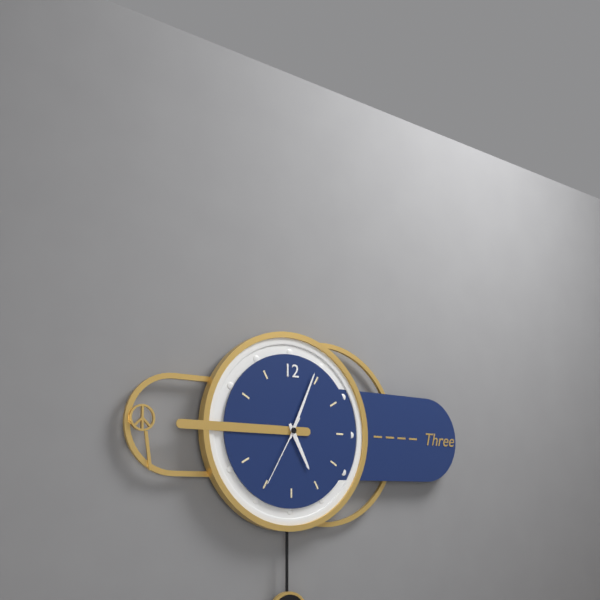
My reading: 5:04:35
